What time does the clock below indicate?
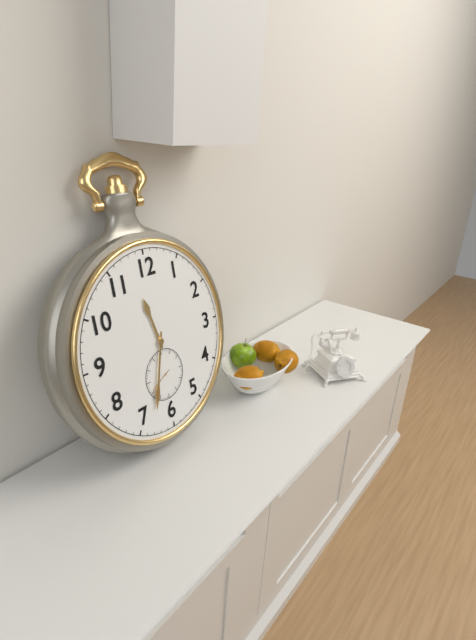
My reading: 11:33
